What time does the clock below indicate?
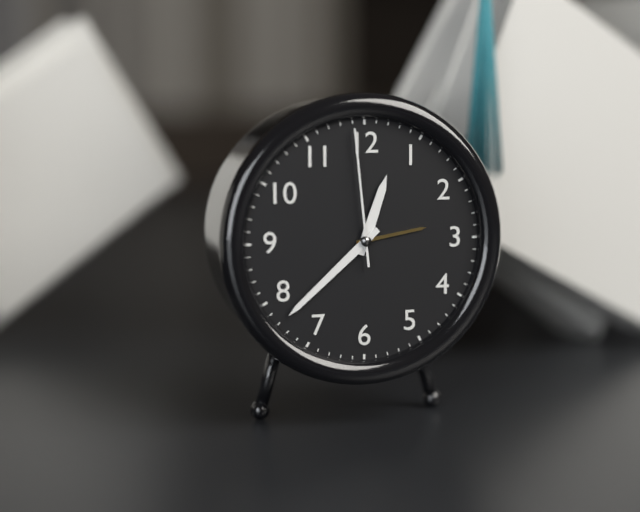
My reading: 12:38:59
